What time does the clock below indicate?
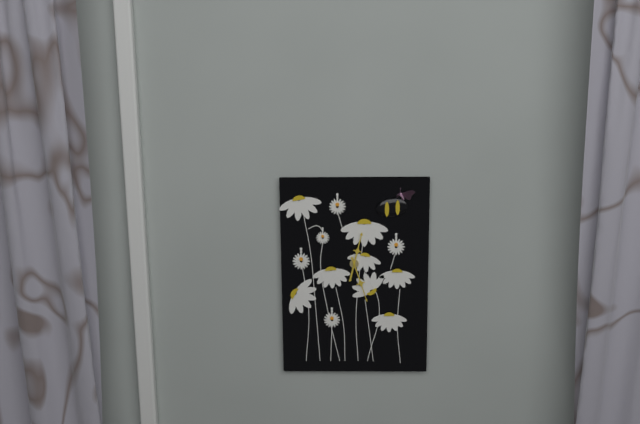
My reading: 12:27
